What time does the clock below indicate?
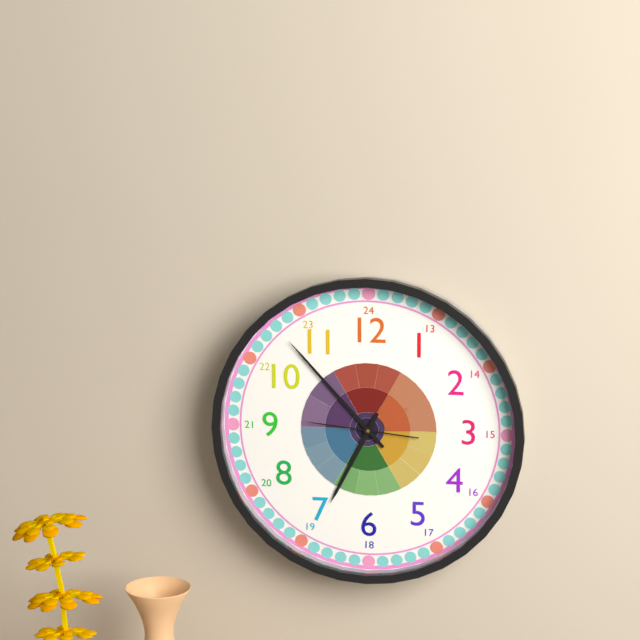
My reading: 6:53:46
